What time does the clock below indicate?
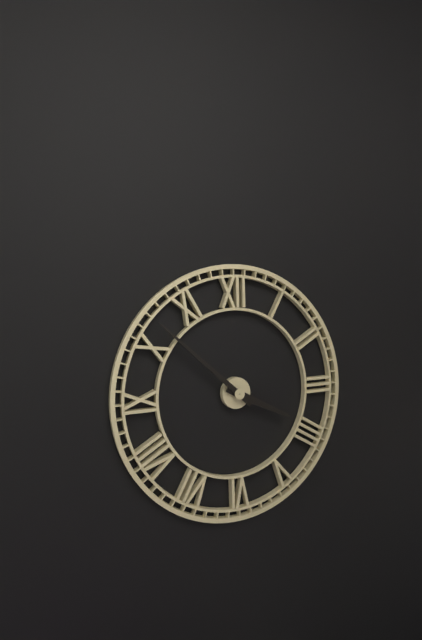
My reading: 3:52
